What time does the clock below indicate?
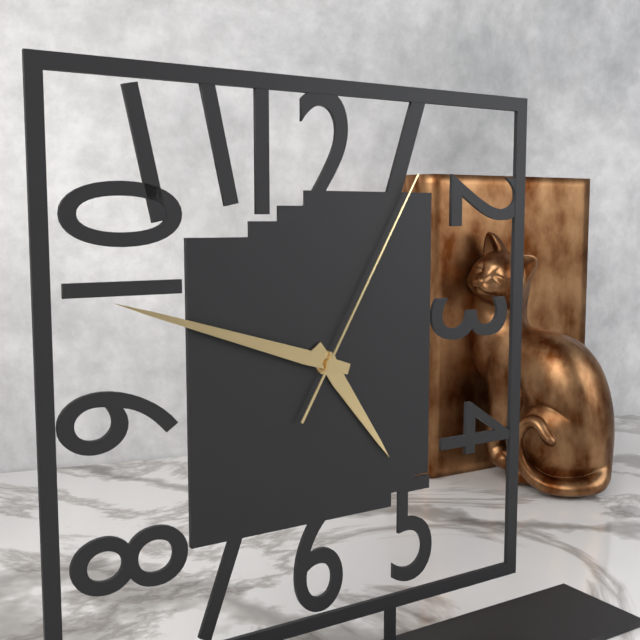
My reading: 4:48:05
